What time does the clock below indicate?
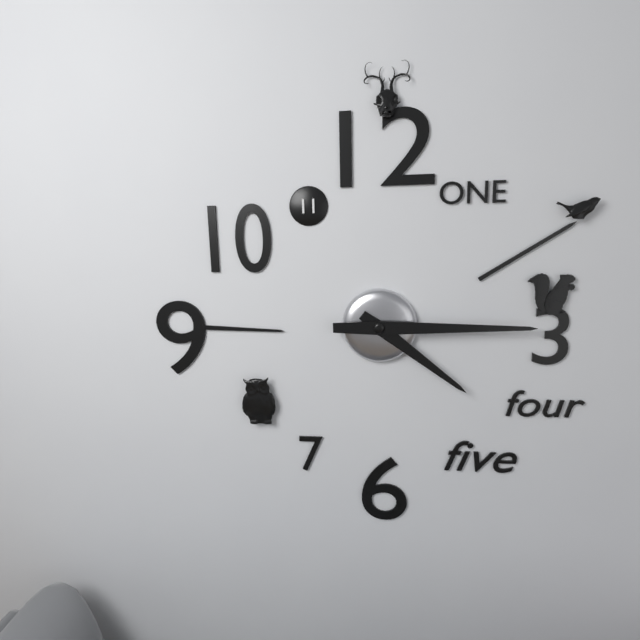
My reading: 4:15
